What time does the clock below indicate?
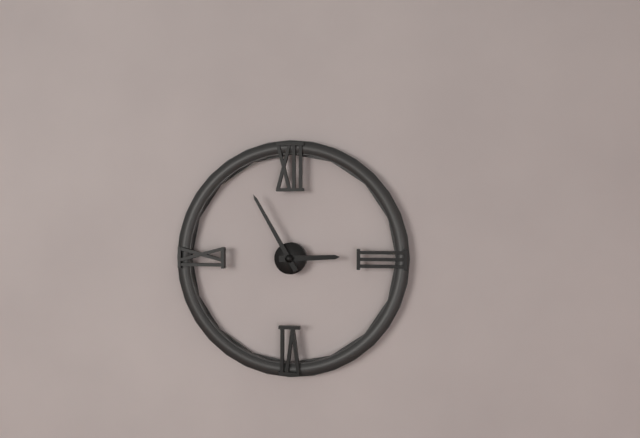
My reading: 2:55
